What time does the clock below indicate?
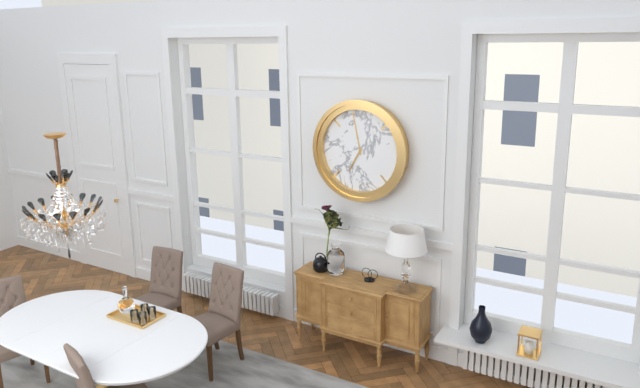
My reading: 6:58
